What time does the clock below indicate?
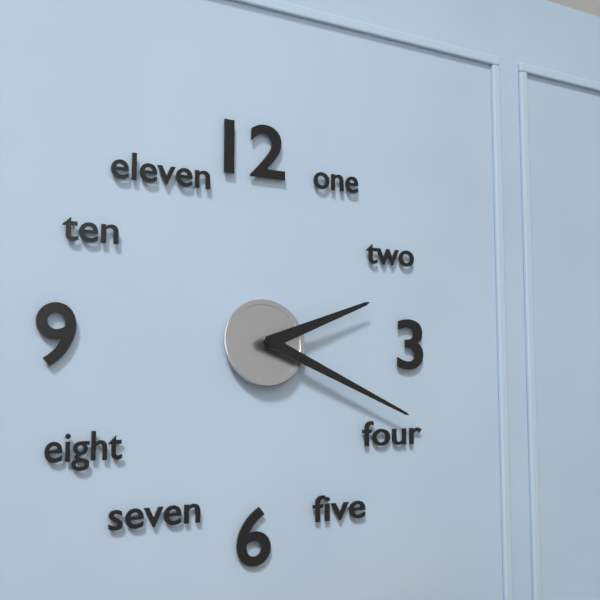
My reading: 2:19
